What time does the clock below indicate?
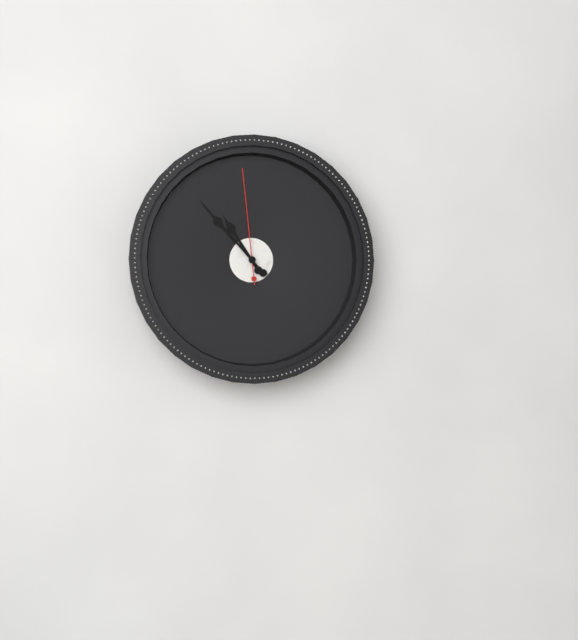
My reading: 10:53:59
